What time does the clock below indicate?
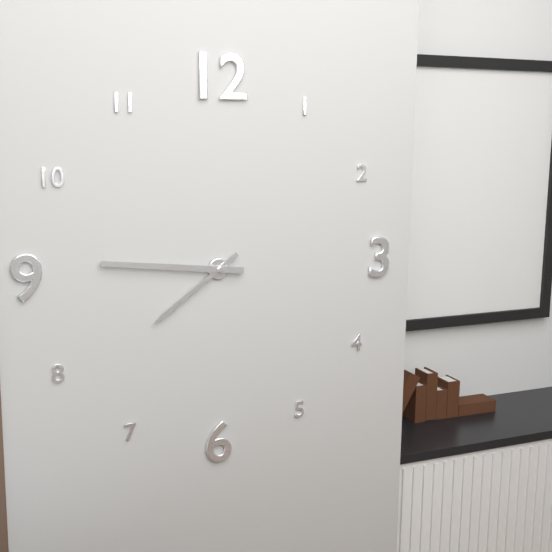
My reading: 7:46
